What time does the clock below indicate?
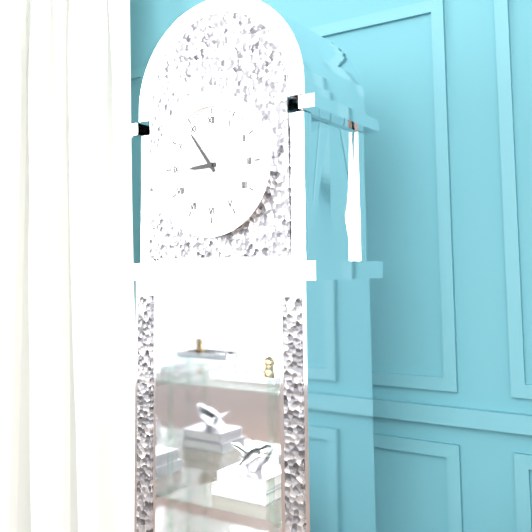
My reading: 8:54
